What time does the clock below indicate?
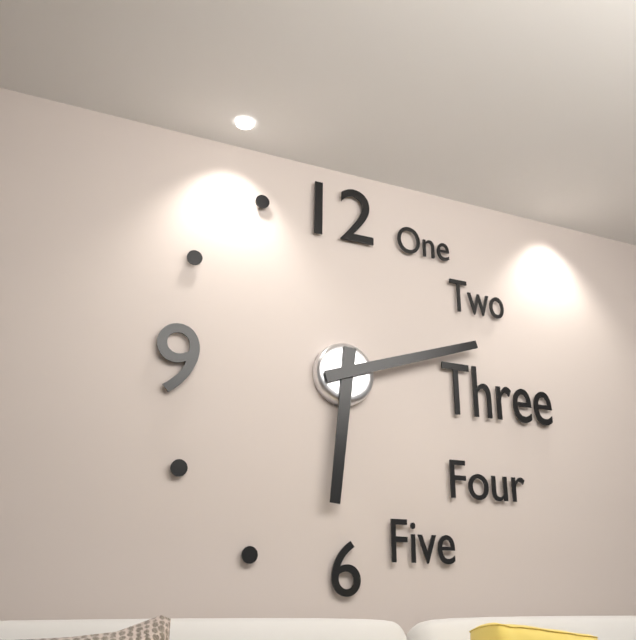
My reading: 6:12
